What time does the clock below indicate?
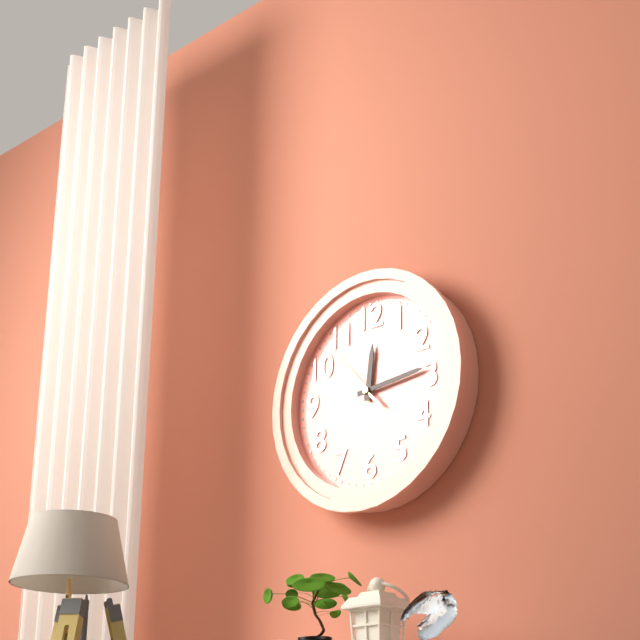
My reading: 12:14:53
